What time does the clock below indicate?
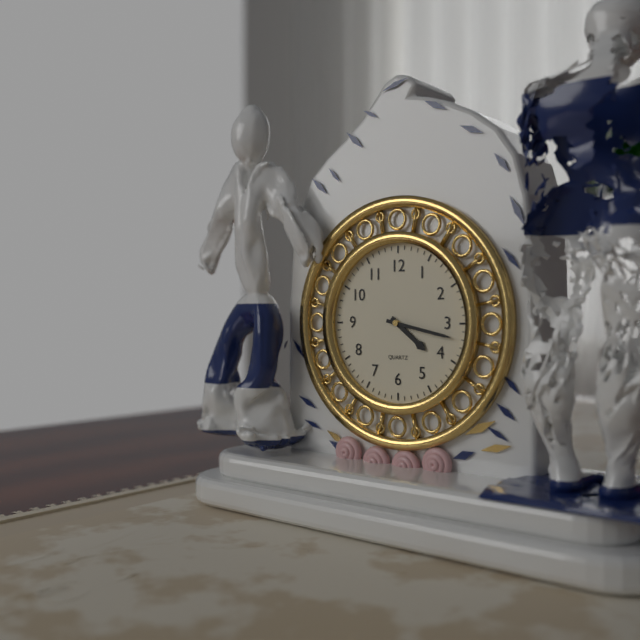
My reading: 4:17
